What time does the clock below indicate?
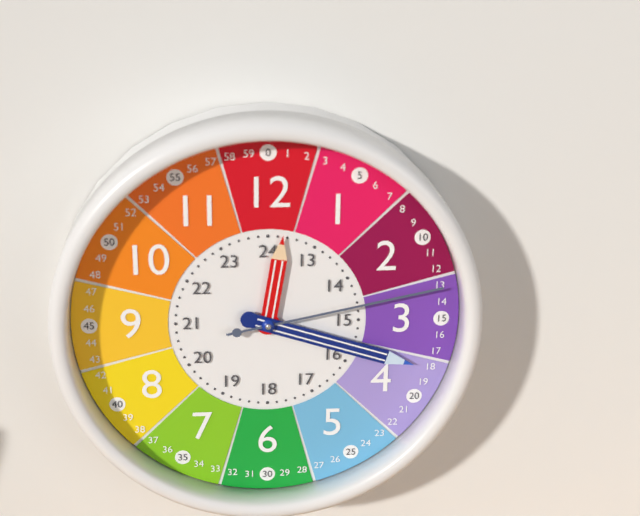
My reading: 12:18:13
